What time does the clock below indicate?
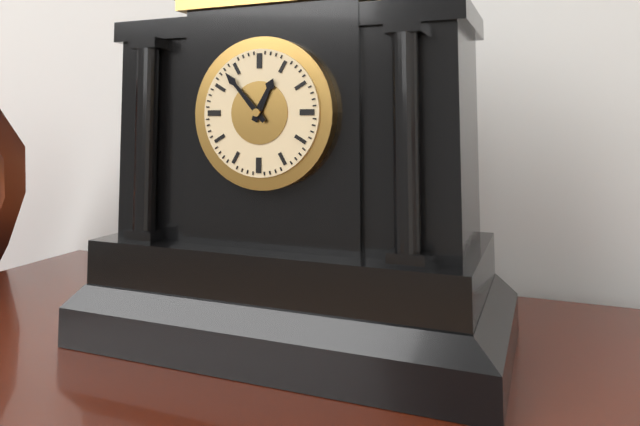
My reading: 12:53
